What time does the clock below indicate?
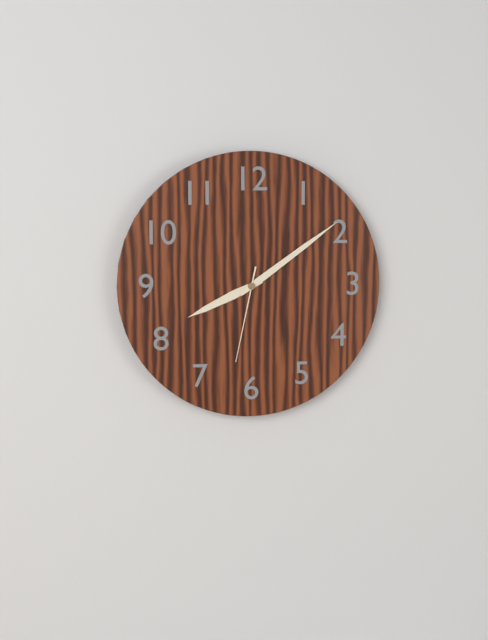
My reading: 8:09:32
